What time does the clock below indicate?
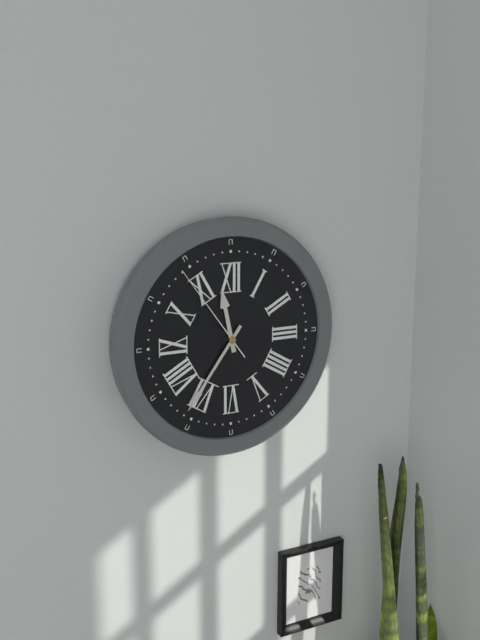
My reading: 11:36:54
